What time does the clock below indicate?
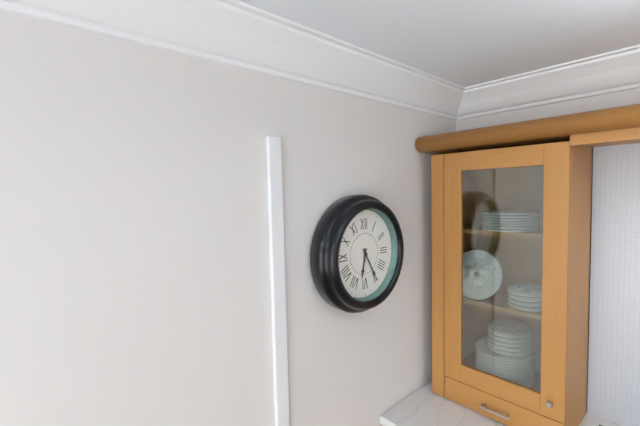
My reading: 6:25
